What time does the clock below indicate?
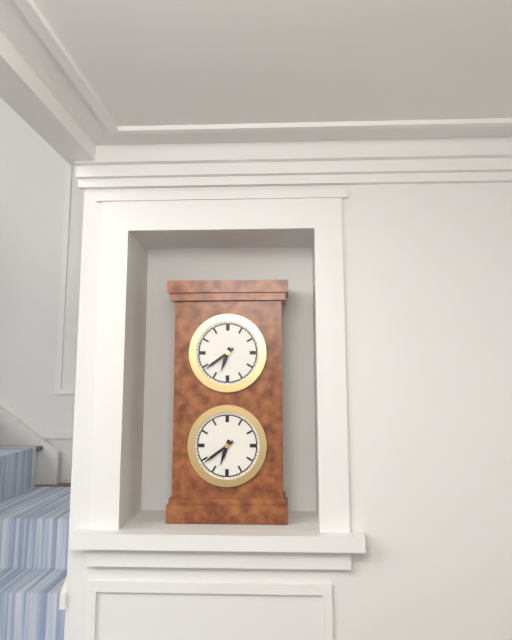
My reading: 6:39
